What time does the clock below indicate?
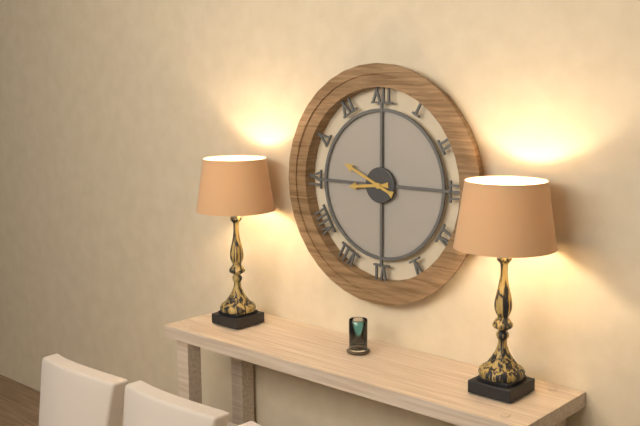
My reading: 8:49
